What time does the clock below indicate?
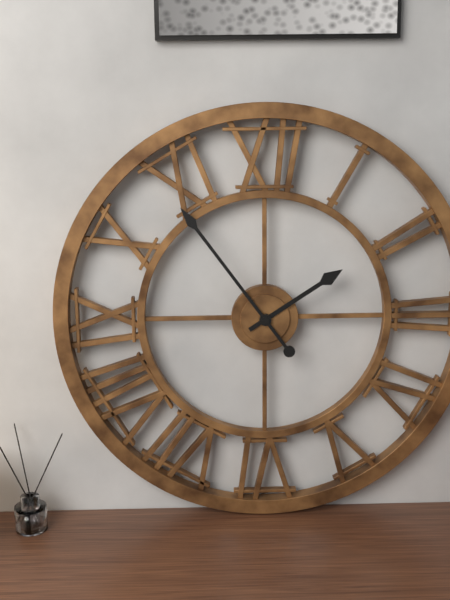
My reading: 1:54
